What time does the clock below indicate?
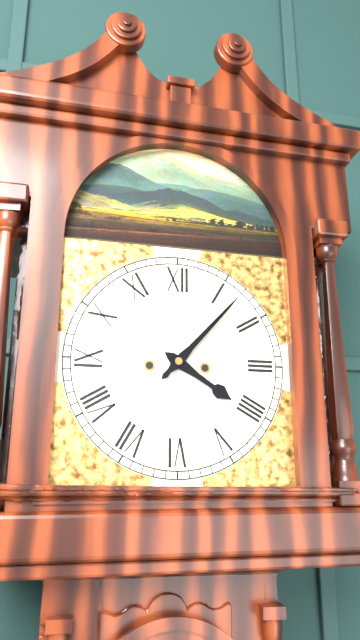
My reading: 4:07
